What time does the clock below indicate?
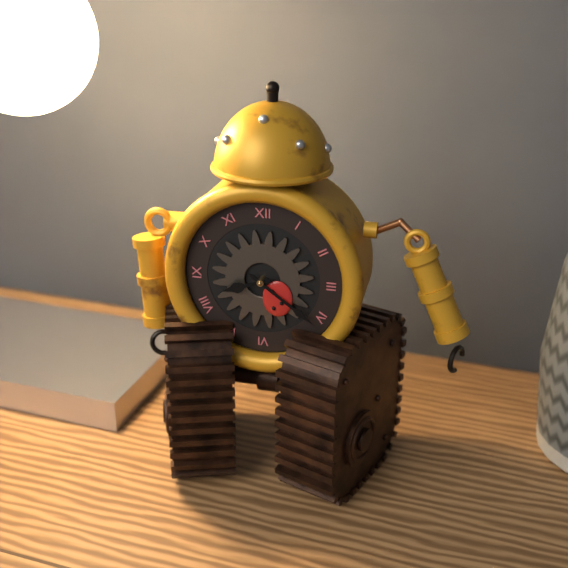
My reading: 8:21
